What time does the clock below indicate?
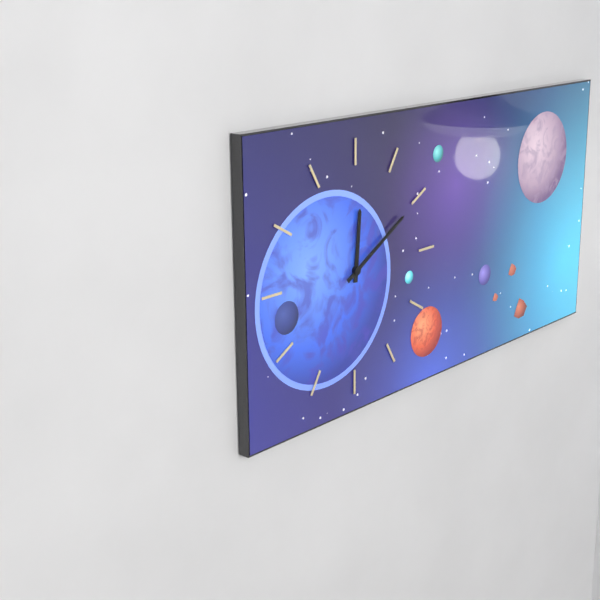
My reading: 12:10
